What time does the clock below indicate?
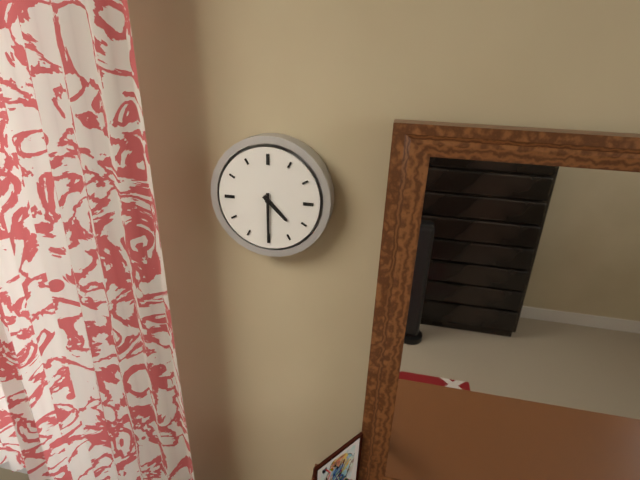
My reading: 4:30
